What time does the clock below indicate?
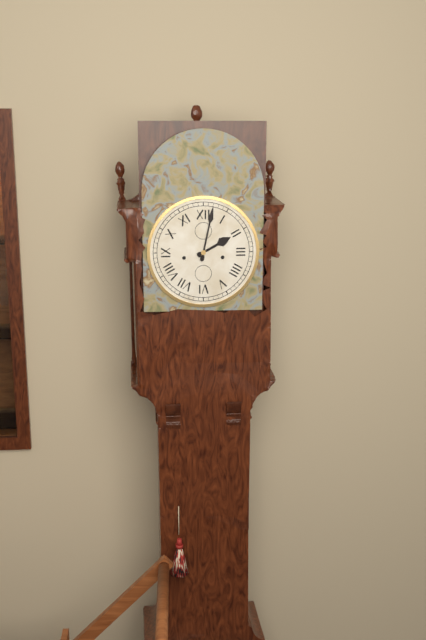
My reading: 2:02
